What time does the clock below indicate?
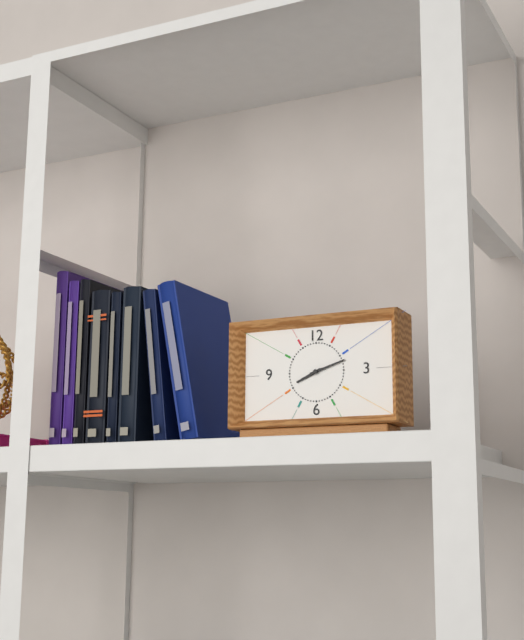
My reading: 8:12
